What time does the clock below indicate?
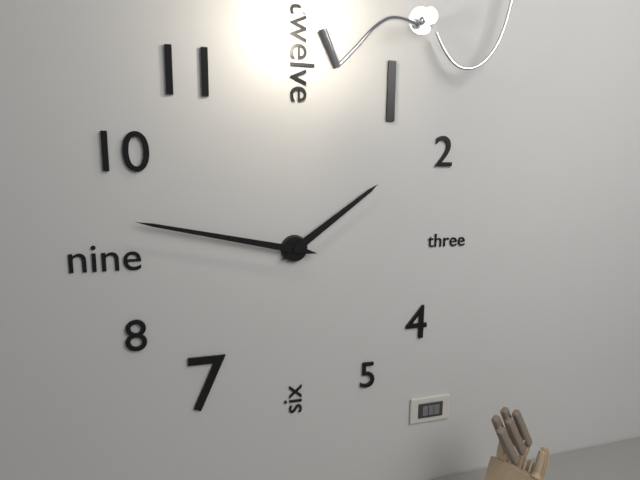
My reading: 1:47
